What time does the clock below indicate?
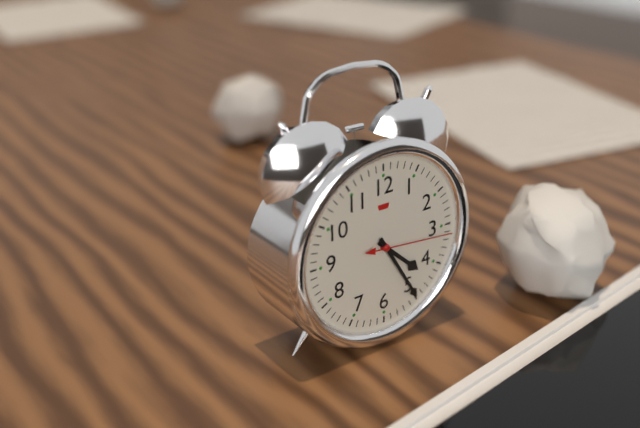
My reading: 4:25:16
